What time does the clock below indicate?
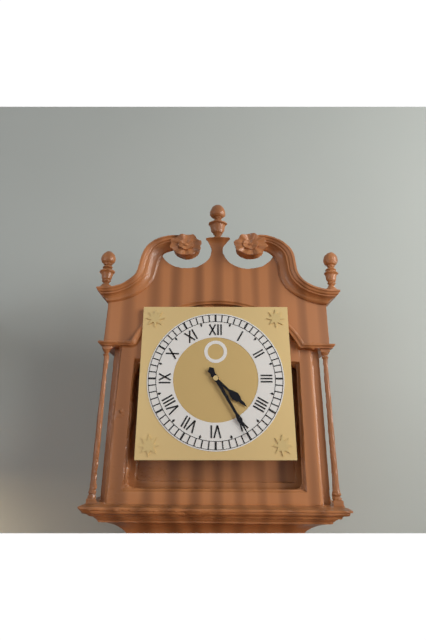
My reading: 4:25
